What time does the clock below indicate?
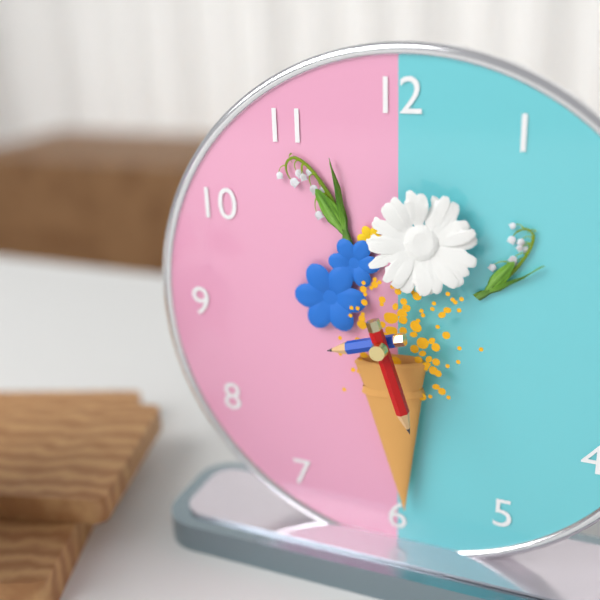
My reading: 8:27
